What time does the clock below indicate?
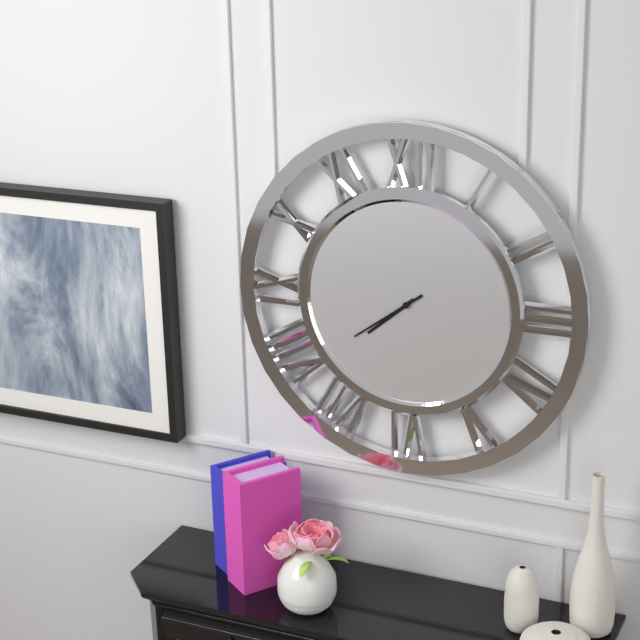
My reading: 7:39
